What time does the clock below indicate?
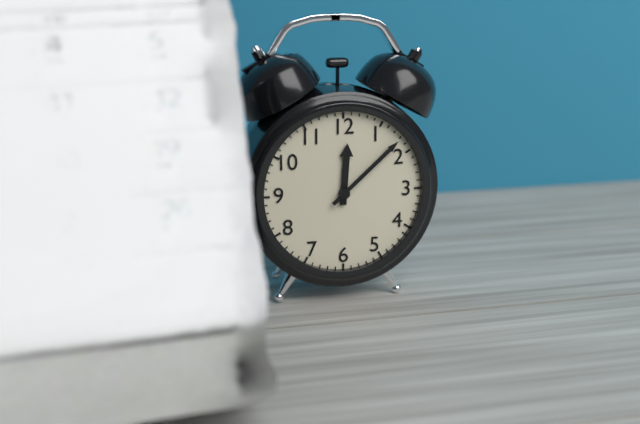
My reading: 12:08
